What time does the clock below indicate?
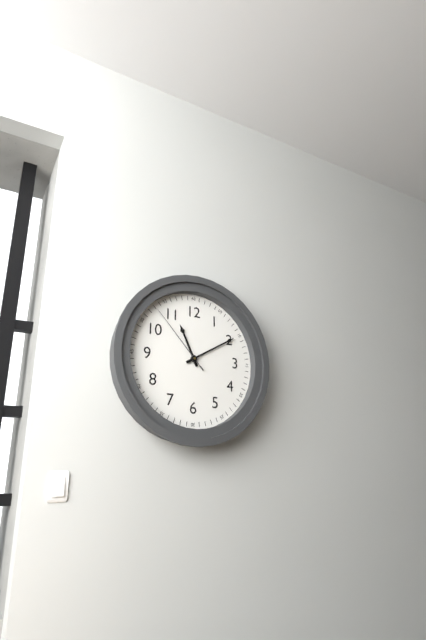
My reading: 11:10:53
